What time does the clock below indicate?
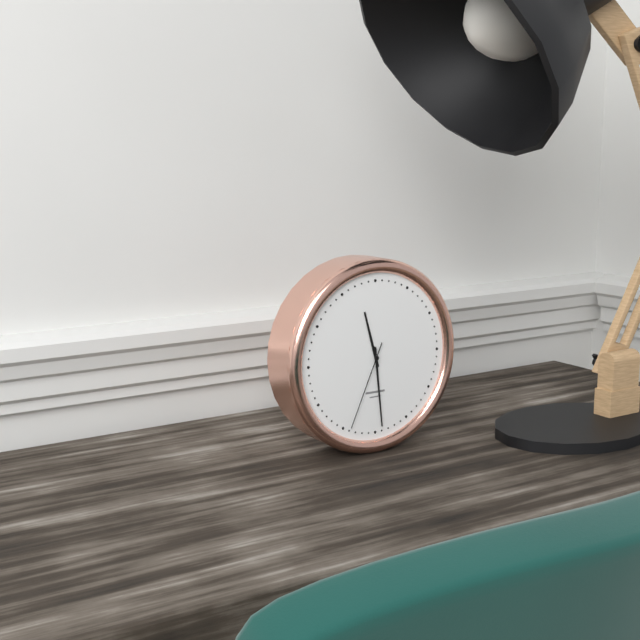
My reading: 11:29:34
